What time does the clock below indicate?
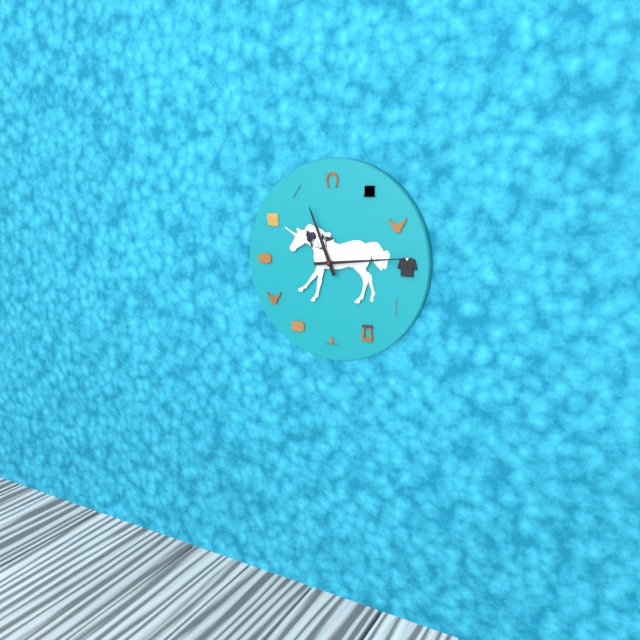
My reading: 11:14
